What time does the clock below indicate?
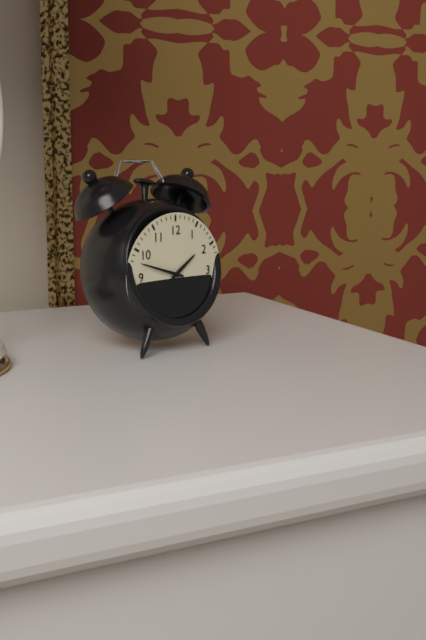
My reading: 1:48
